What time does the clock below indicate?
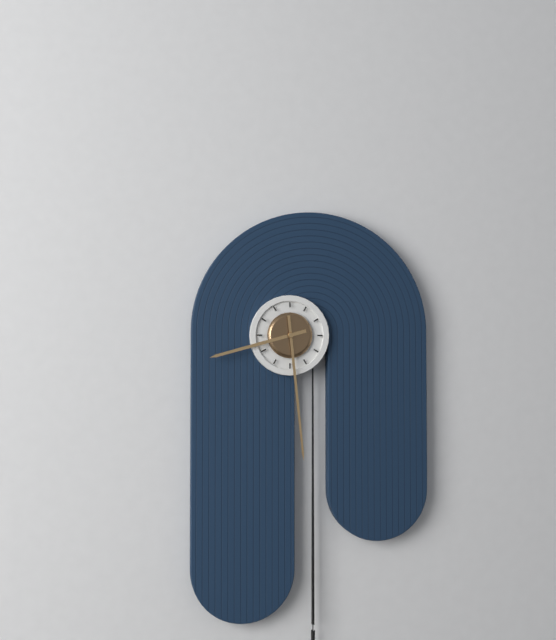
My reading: 8:29
